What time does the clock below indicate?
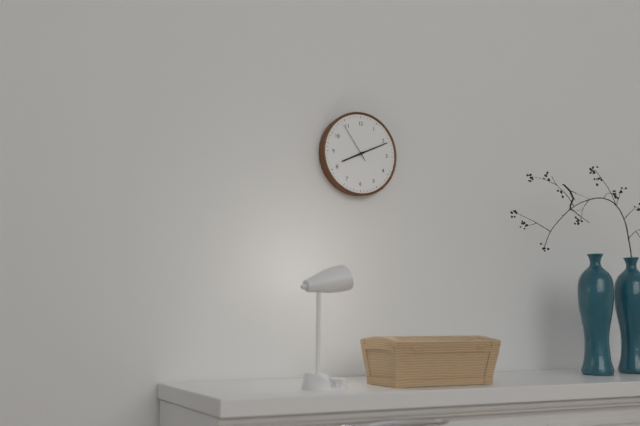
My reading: 8:11
